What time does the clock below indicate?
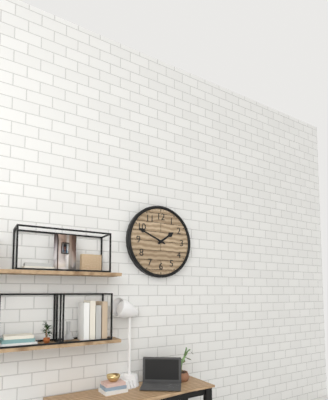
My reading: 1:49
